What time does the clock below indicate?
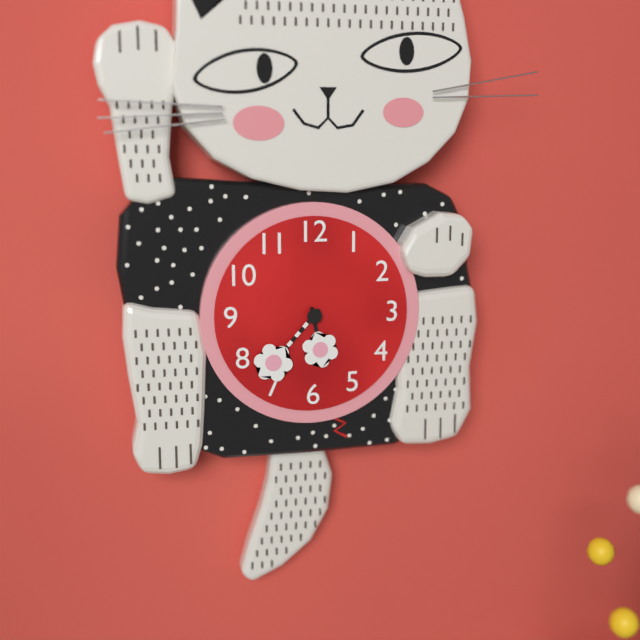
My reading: 5:37
